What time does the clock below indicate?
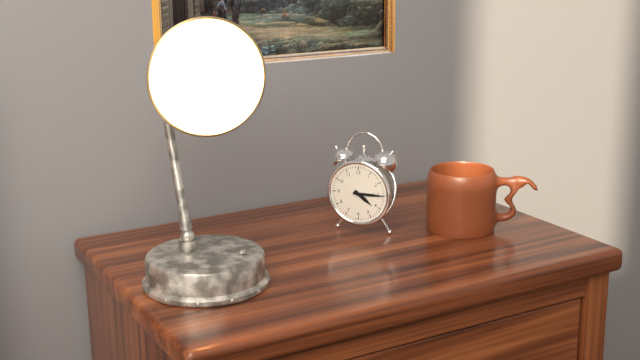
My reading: 4:15
